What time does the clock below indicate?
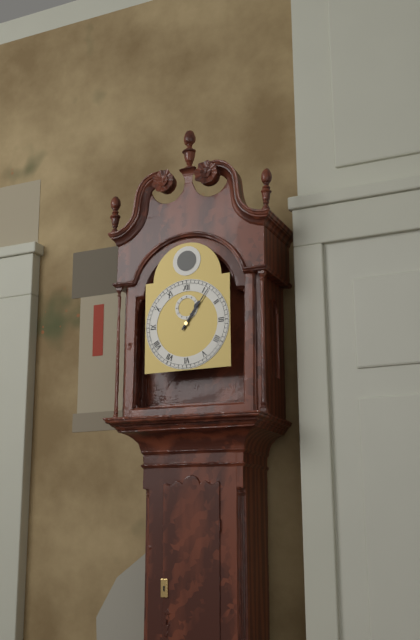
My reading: 1:06
